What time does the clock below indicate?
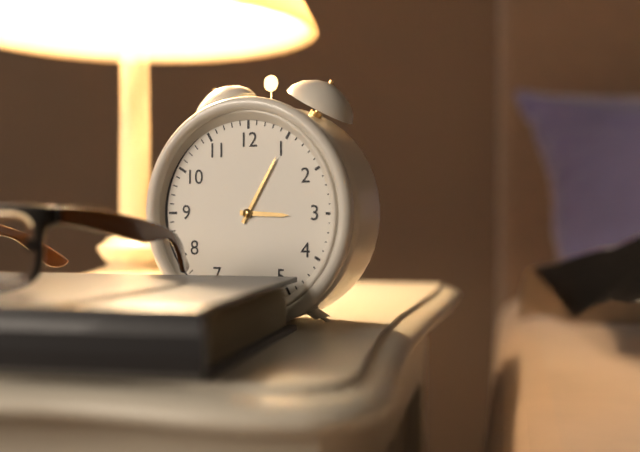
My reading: 3:05
